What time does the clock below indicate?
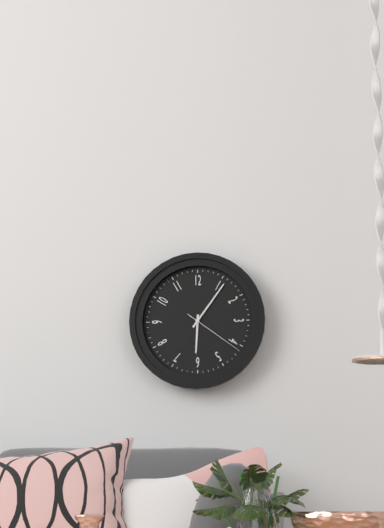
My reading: 6:06:21
